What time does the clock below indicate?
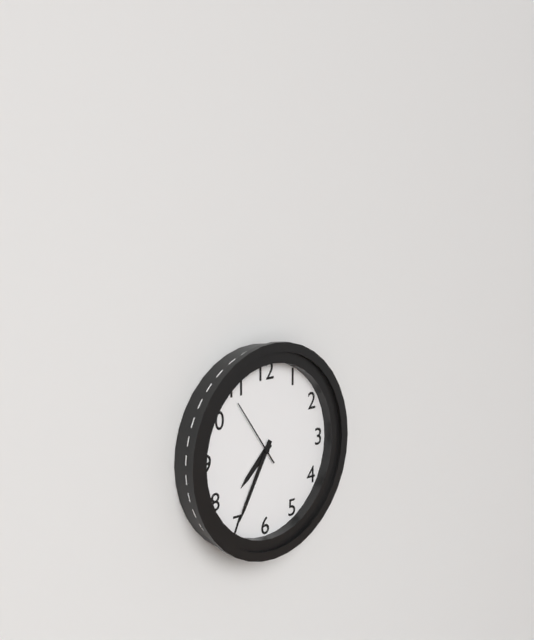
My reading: 7:35:54
